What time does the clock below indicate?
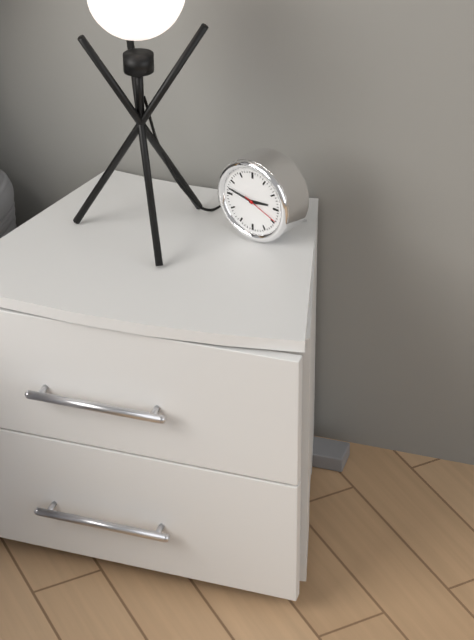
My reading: 2:47
